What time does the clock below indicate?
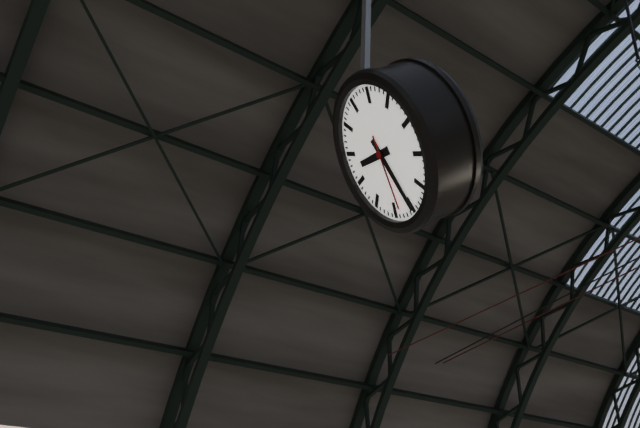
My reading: 9:30:33
